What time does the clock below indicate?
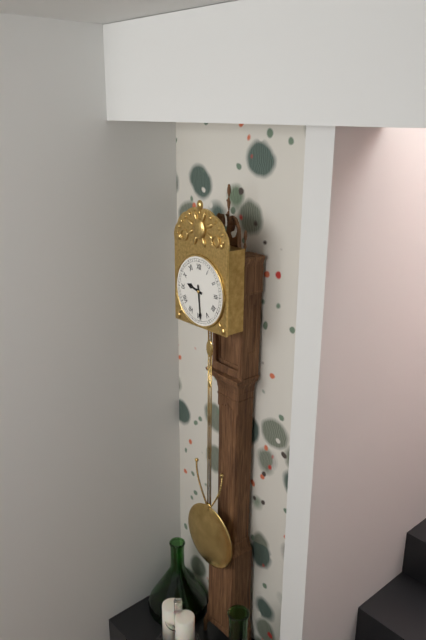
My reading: 9:29
